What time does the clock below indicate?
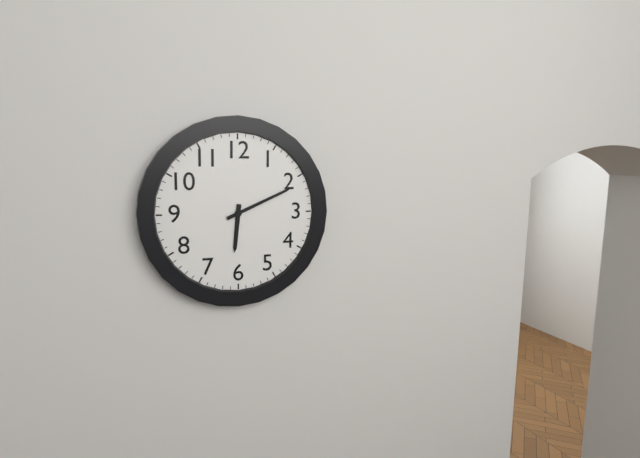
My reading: 6:11
